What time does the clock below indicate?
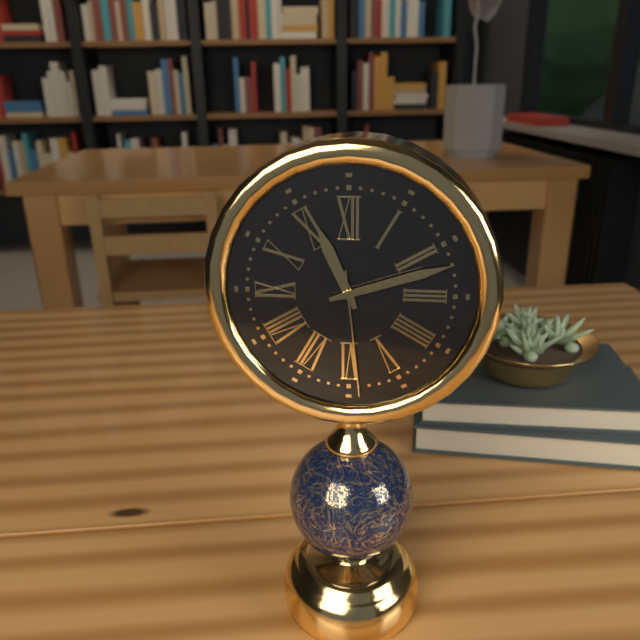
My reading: 11:12:29
